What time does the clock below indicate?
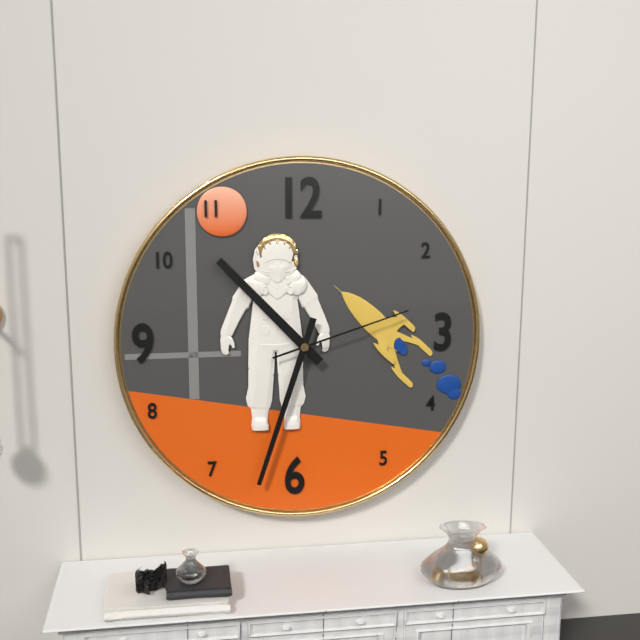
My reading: 10:33:12
